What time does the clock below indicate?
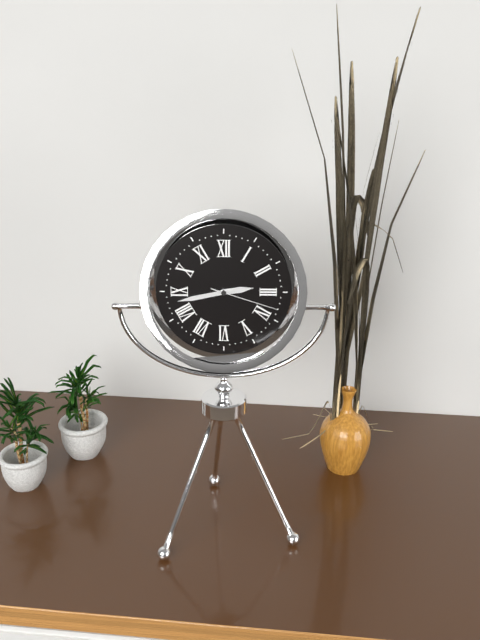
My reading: 2:43:18
